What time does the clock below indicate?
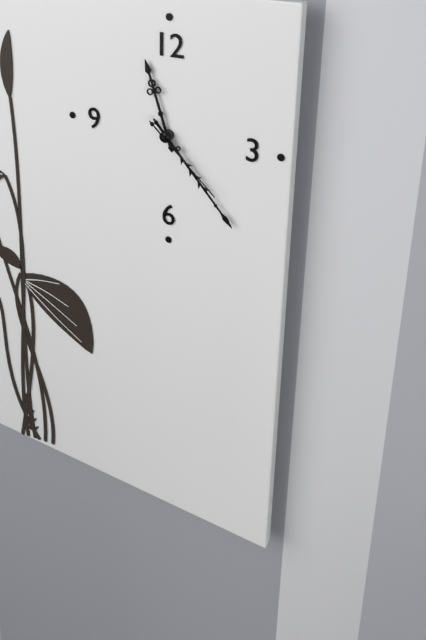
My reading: 11:23:22
